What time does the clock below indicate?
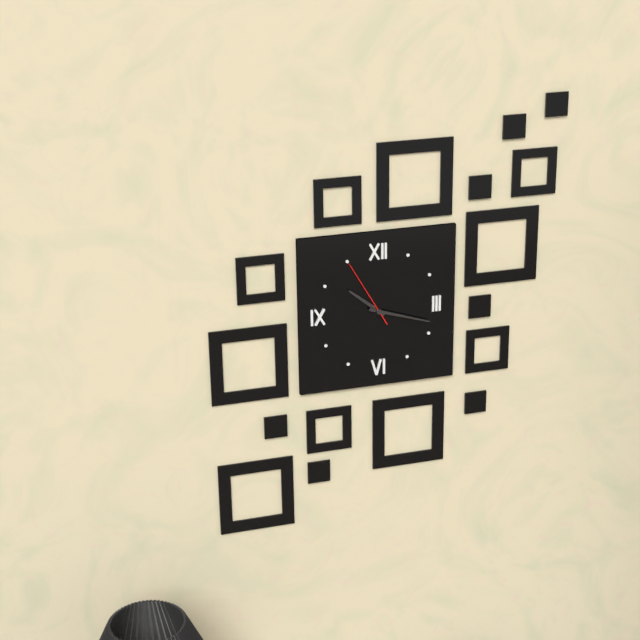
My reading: 10:18:55
